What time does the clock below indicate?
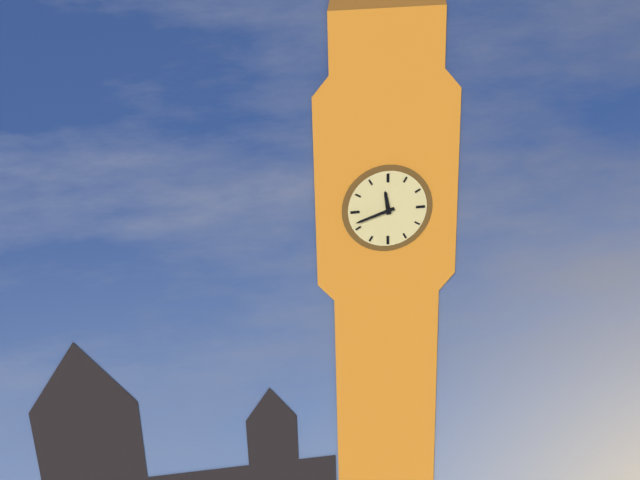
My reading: 11:42
